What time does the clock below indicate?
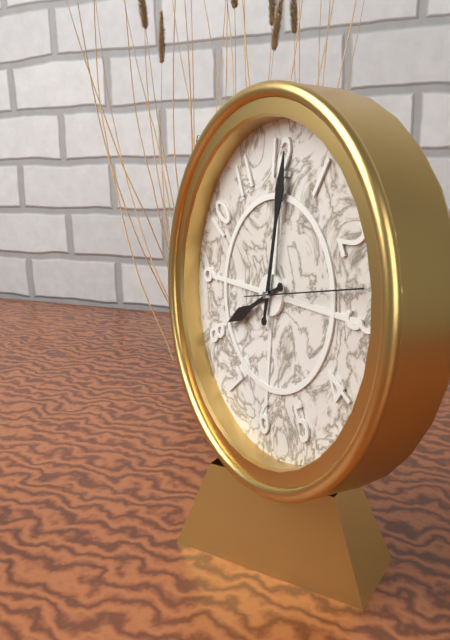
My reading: 8:01:13
